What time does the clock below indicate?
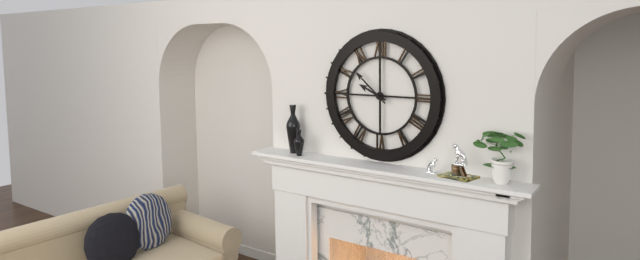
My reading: 9:52
